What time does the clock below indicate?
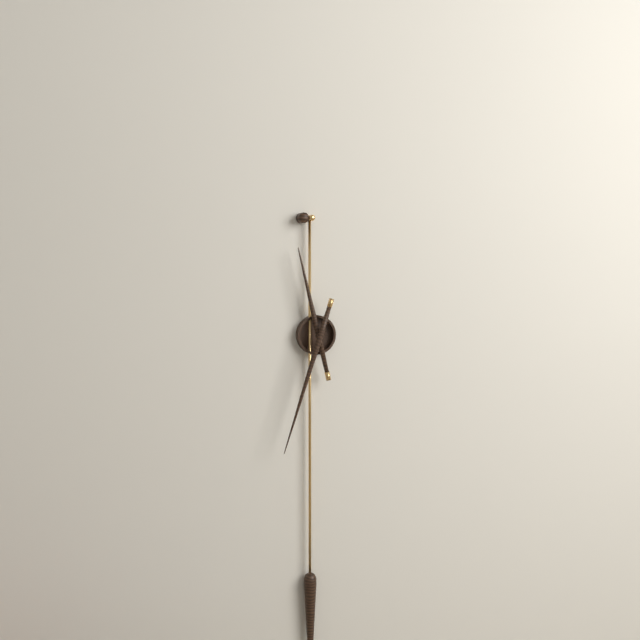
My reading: 11:33
